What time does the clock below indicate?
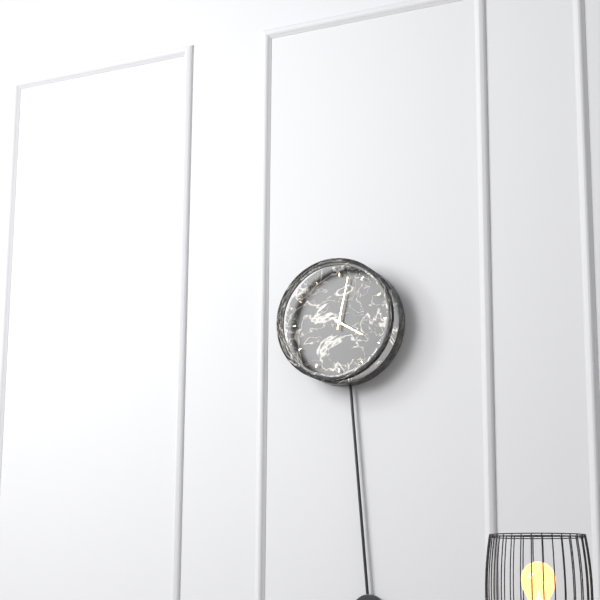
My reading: 4:02
